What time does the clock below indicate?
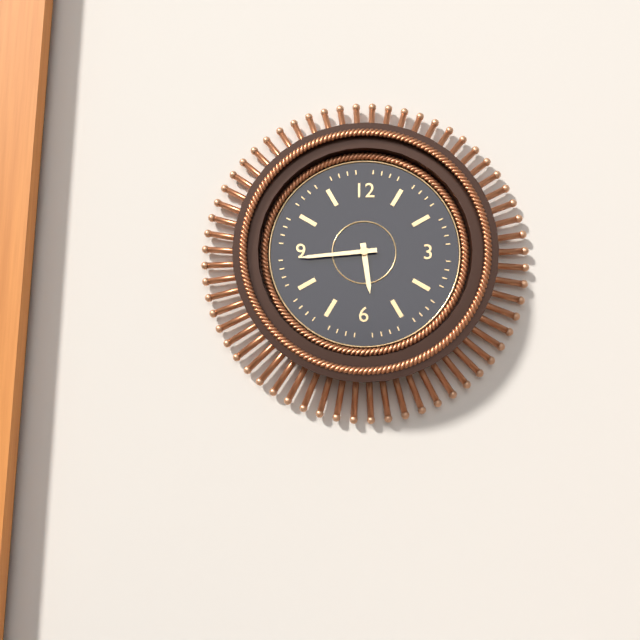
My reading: 5:44
